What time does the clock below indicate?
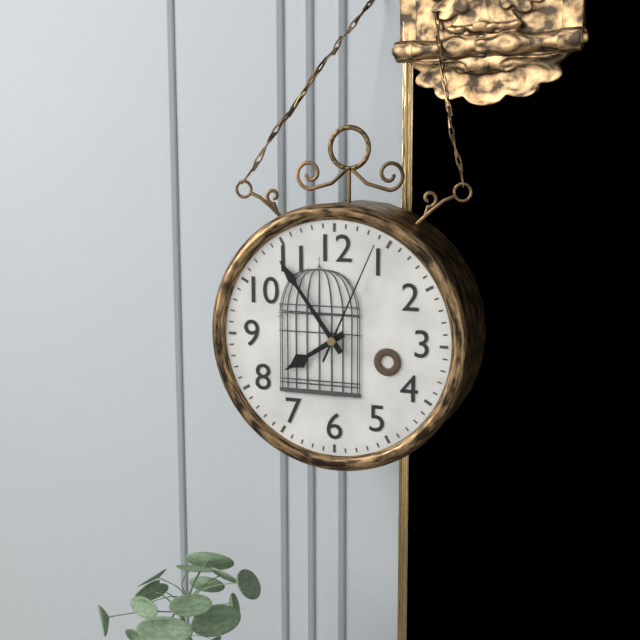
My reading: 7:54:04
